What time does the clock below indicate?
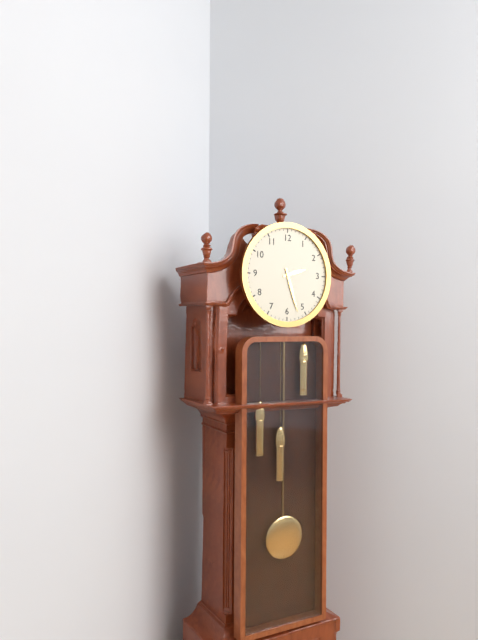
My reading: 2:27
